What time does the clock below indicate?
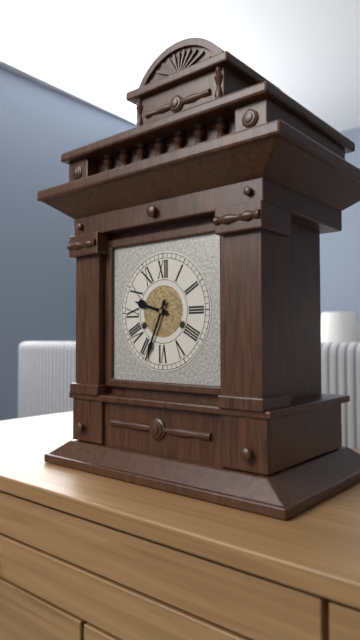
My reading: 9:34
